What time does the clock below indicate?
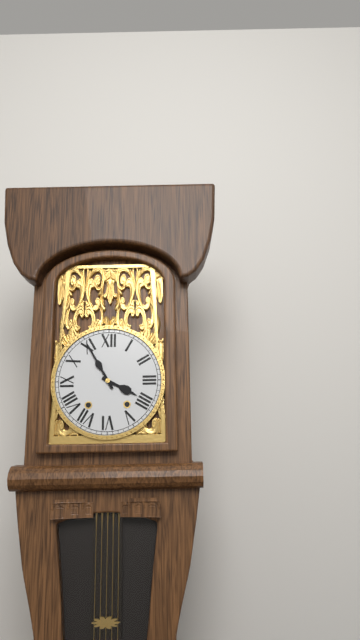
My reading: 3:55
